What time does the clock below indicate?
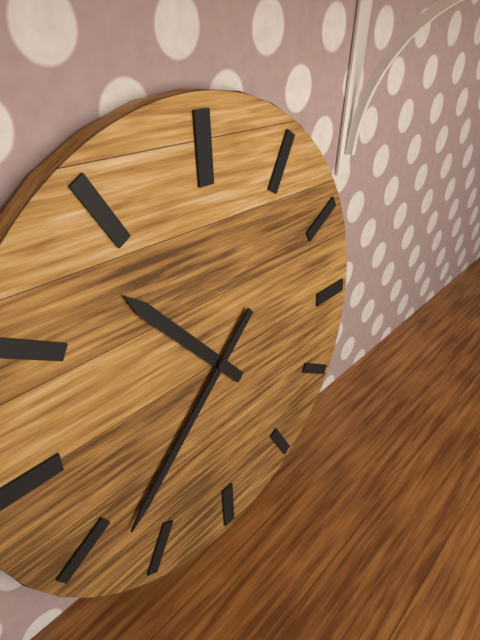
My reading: 10:38
